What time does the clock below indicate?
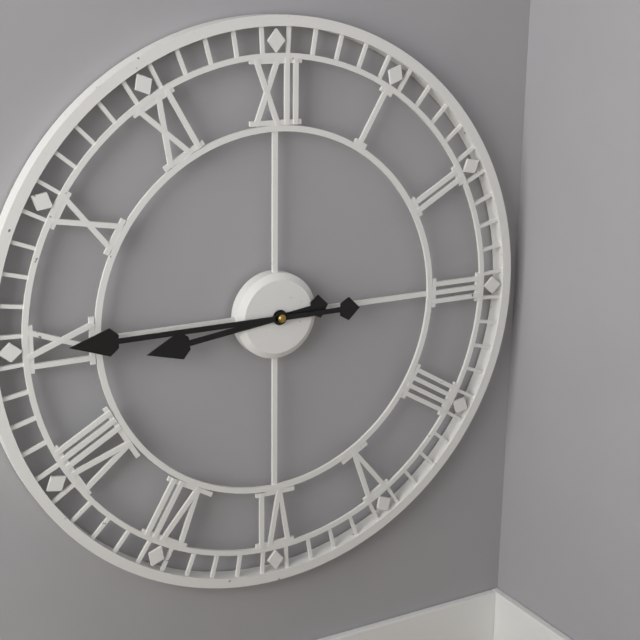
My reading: 8:45
